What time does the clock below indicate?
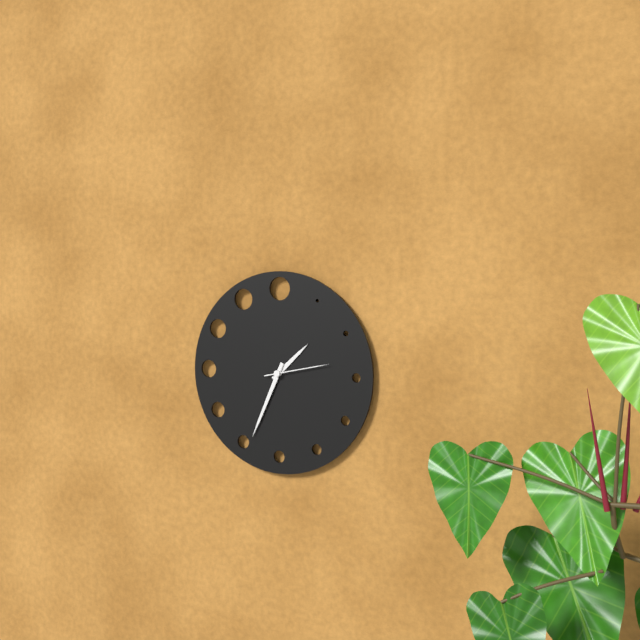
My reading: 1:34:13
